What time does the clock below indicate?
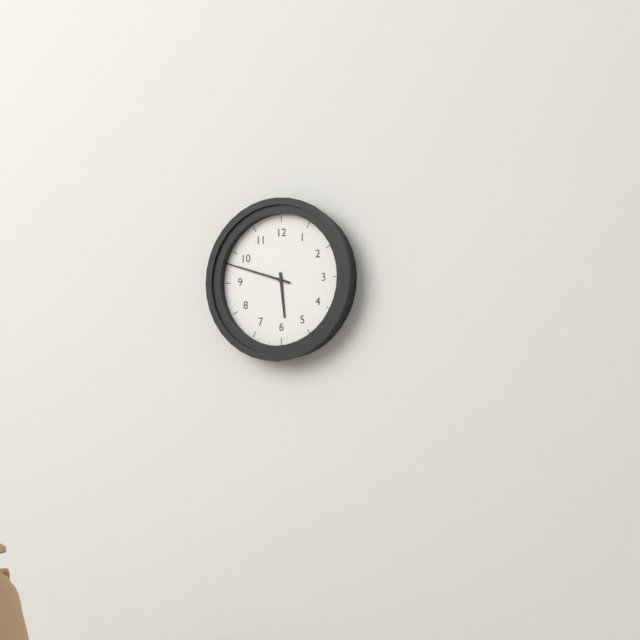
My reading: 5:48
